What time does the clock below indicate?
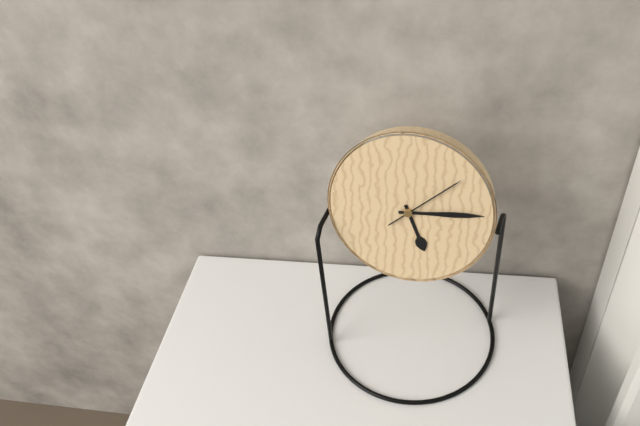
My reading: 5:14:08
